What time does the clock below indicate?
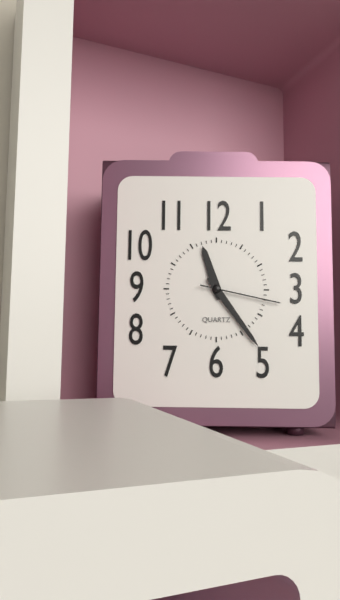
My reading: 11:24:17
